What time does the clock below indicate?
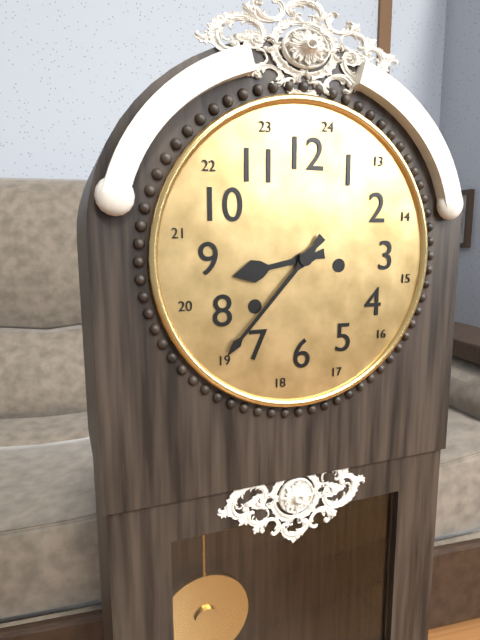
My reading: 8:37
